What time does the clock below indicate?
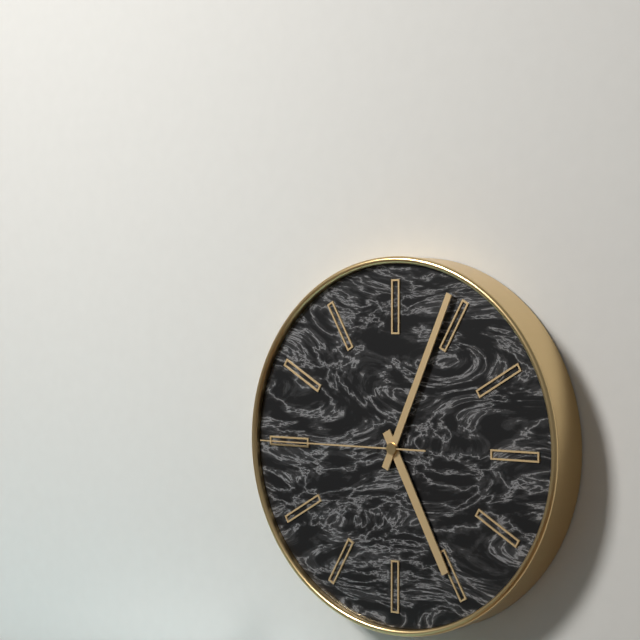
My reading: 5:04:45
